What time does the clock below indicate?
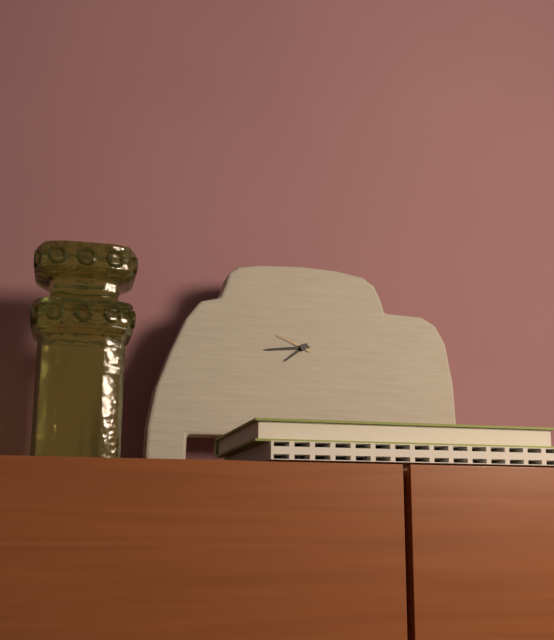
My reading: 7:44
